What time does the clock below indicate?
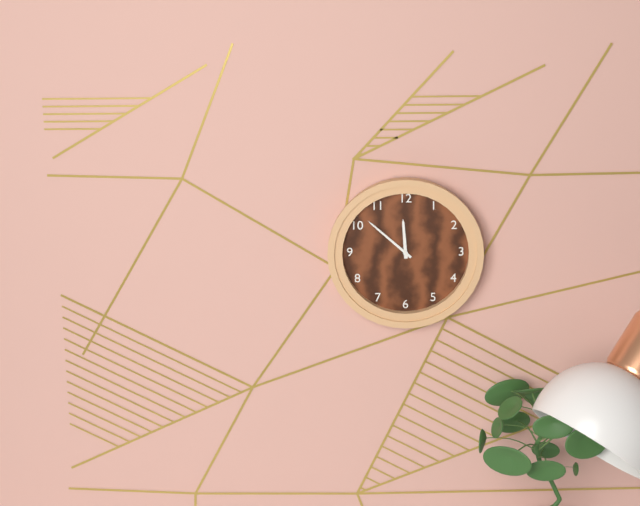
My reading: 11:52
